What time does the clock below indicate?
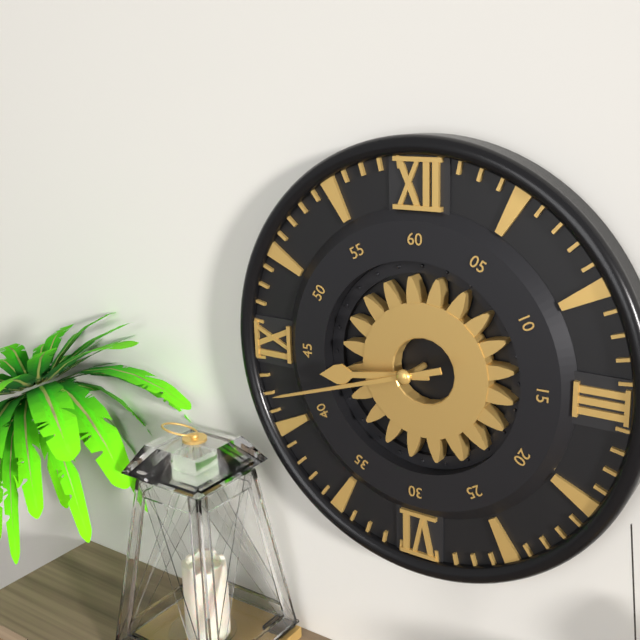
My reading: 8:42
